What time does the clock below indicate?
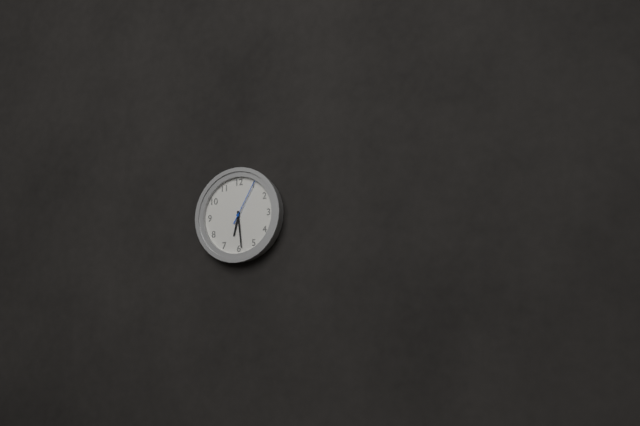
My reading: 6:29
